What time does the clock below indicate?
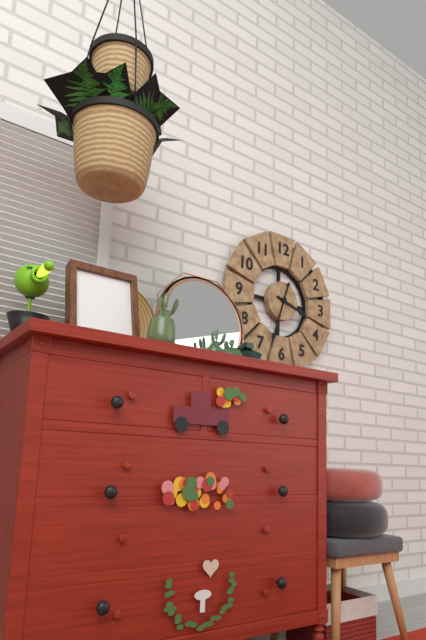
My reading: 3:33
